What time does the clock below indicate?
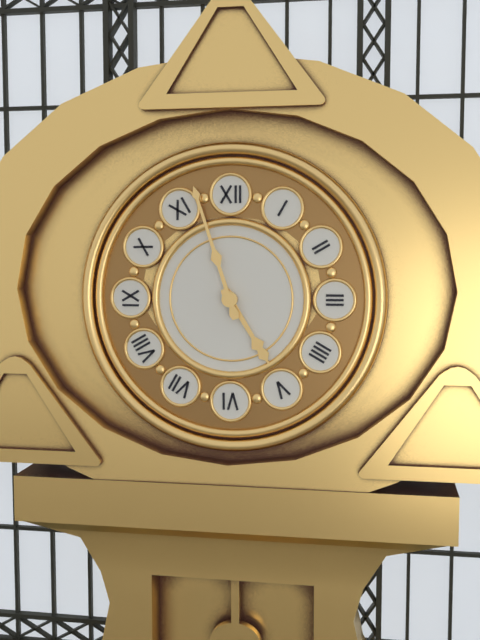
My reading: 4:57
